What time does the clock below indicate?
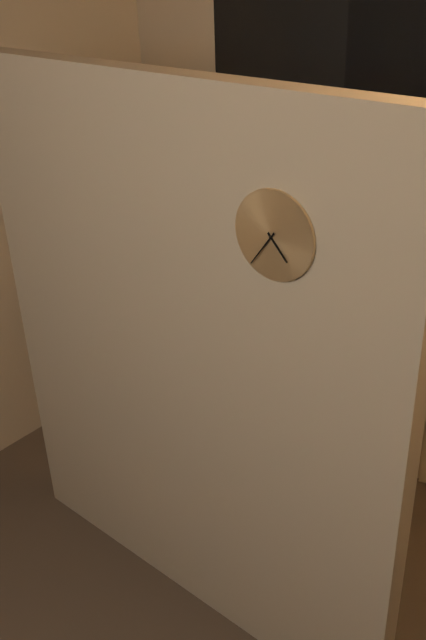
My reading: 4:36
